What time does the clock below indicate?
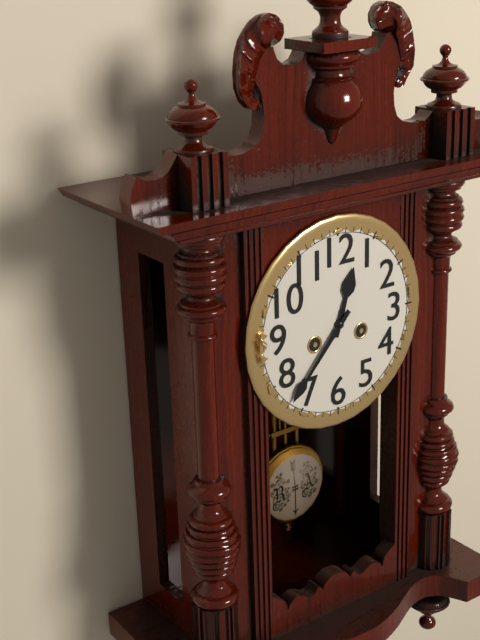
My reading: 12:37
